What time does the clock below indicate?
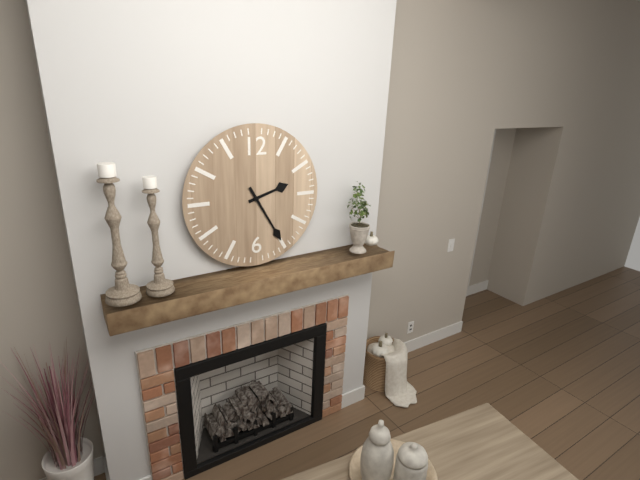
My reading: 2:25
